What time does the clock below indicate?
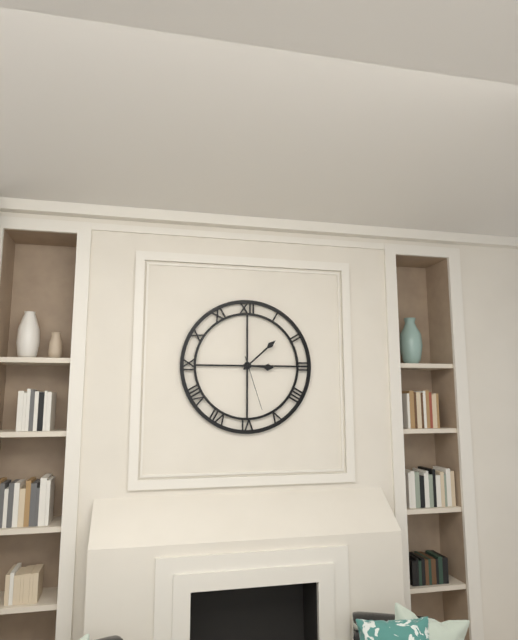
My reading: 3:08:27
